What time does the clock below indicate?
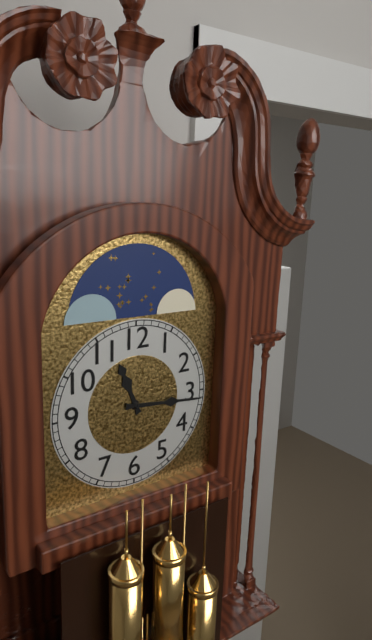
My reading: 11:16
